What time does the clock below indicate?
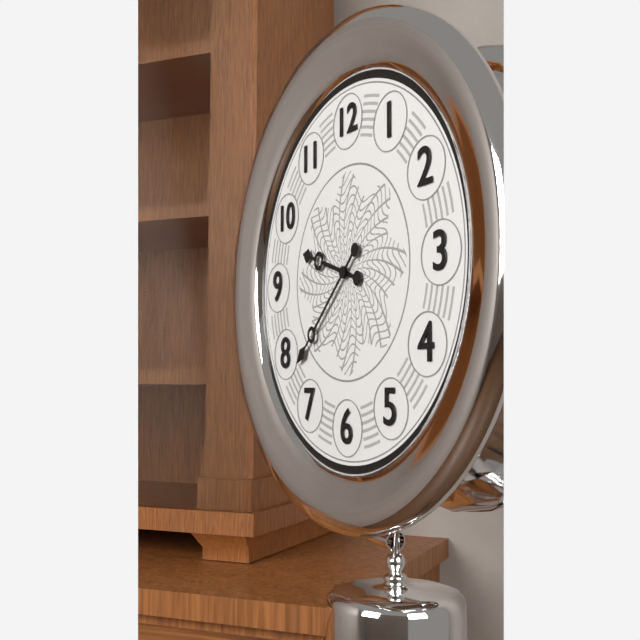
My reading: 9:38
